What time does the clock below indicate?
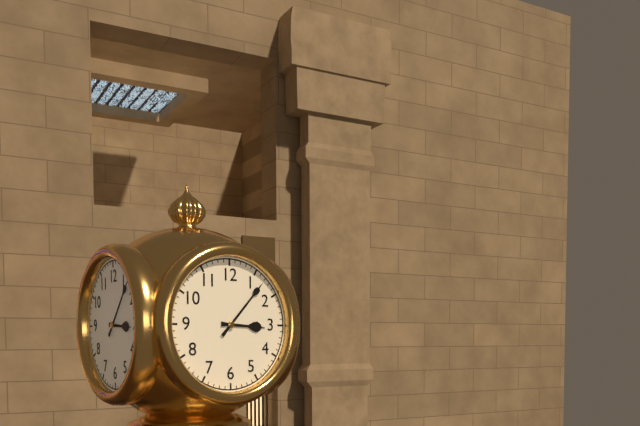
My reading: 3:07
